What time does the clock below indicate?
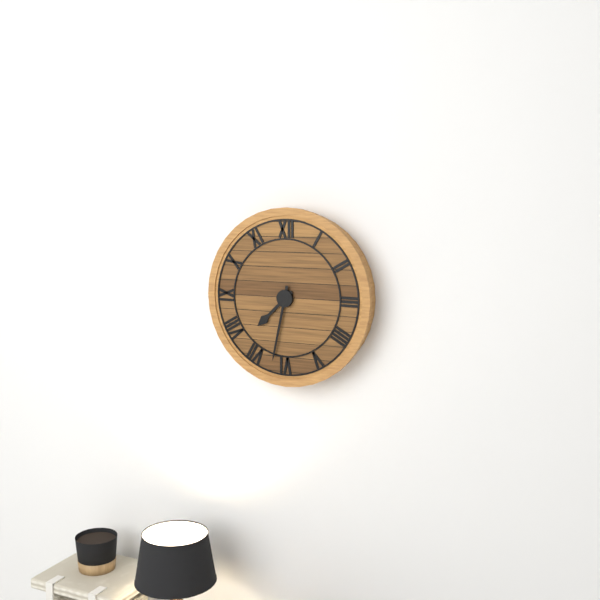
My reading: 7:32
